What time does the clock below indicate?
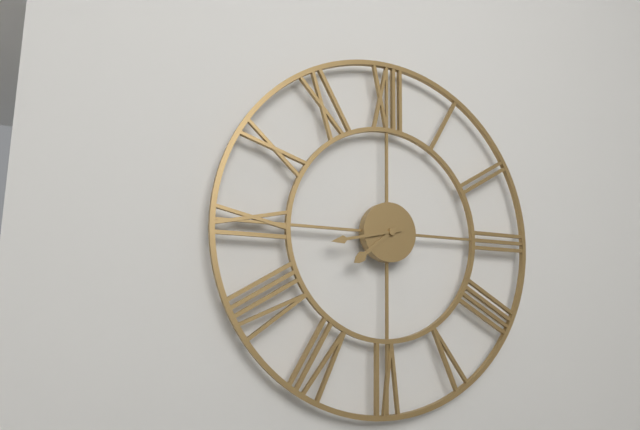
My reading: 7:43
